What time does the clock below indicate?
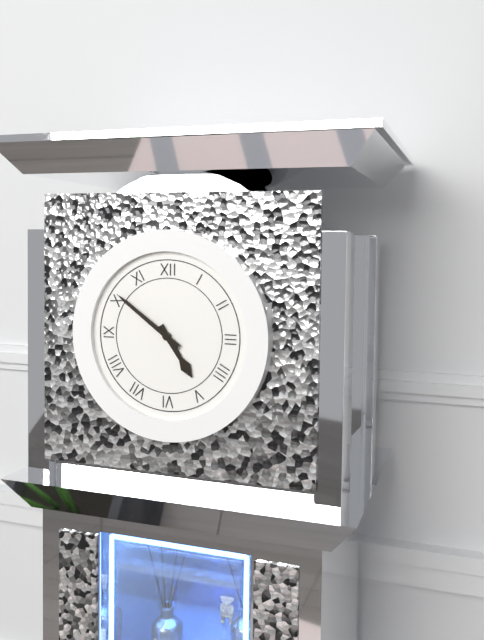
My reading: 4:51
